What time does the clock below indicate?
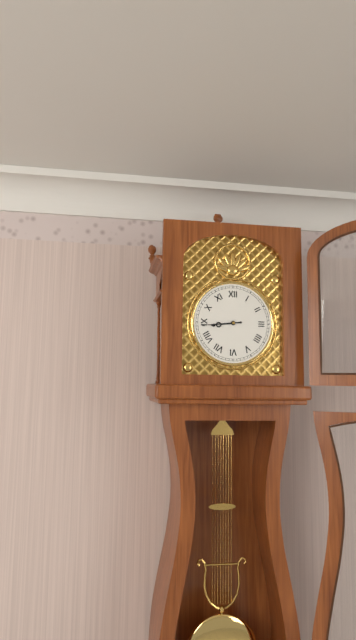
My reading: 8:44
